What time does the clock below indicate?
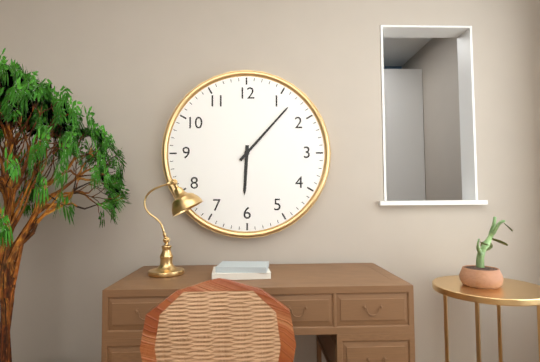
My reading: 6:07
